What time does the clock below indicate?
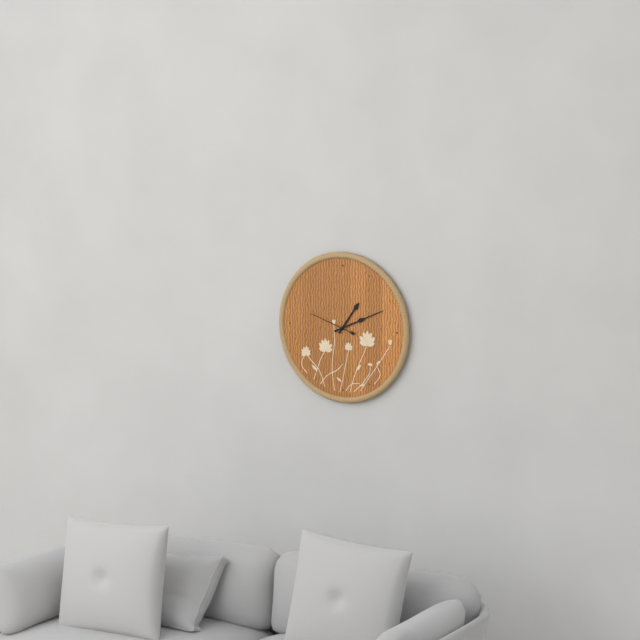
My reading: 1:11
